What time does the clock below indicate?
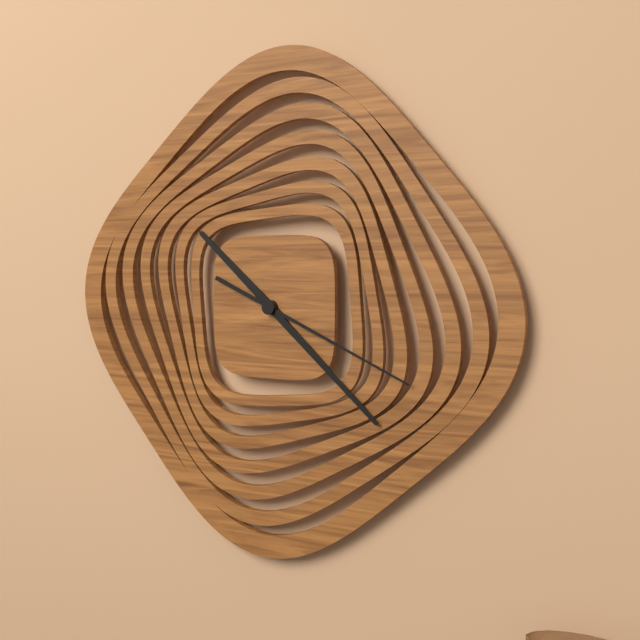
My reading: 10:22:19
